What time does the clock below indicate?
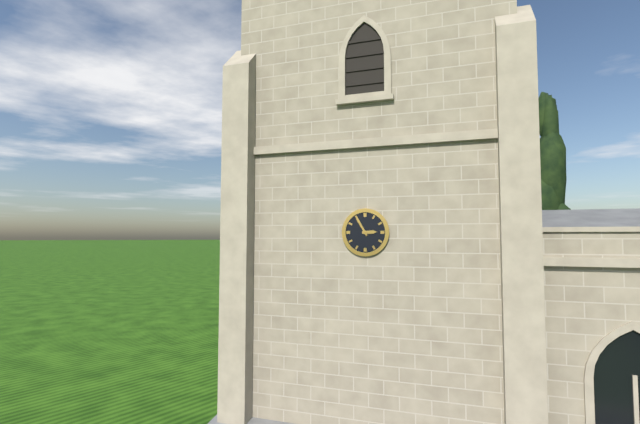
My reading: 2:55
